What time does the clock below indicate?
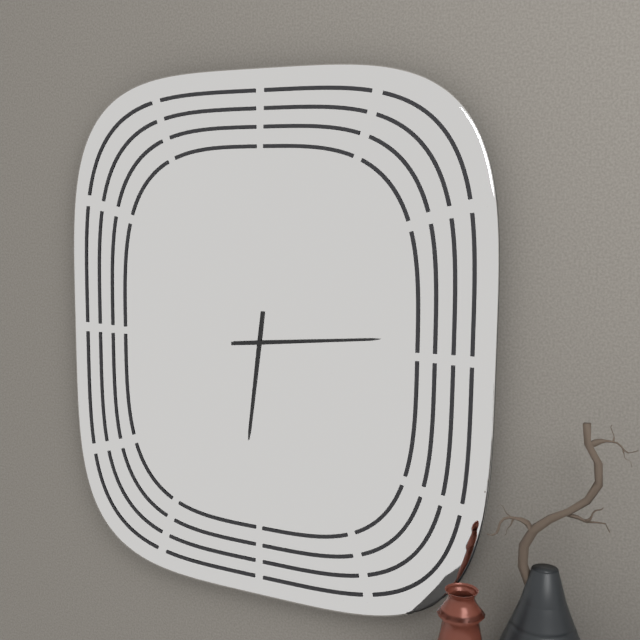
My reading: 6:14
